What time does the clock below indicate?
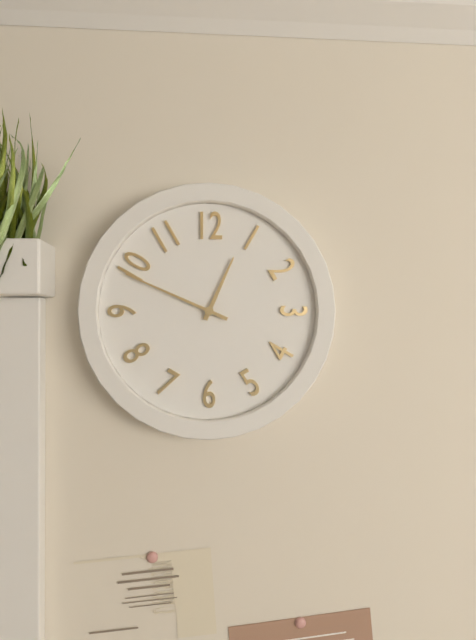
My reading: 12:49
